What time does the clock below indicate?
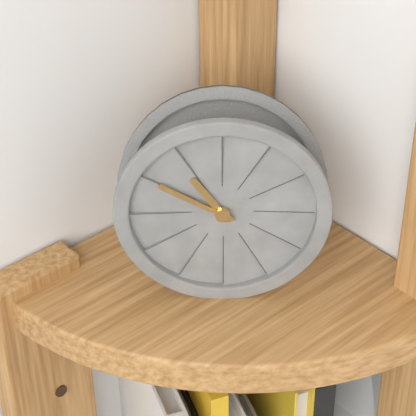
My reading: 10:50
